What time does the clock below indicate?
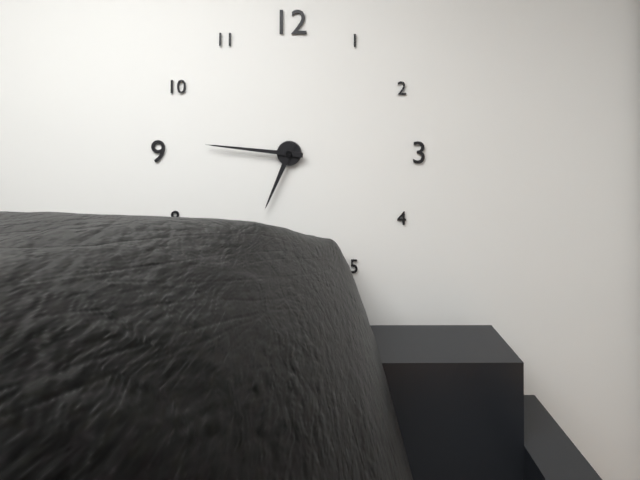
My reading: 6:46
